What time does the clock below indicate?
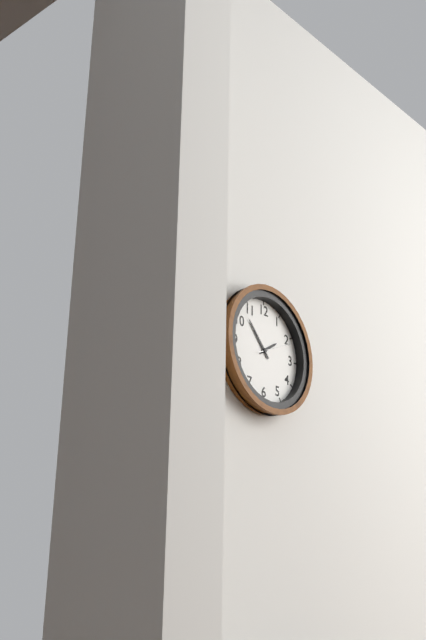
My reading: 1:53
